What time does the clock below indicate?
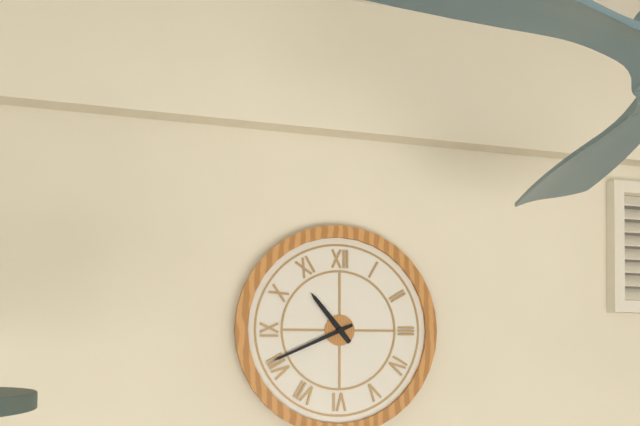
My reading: 10:41
